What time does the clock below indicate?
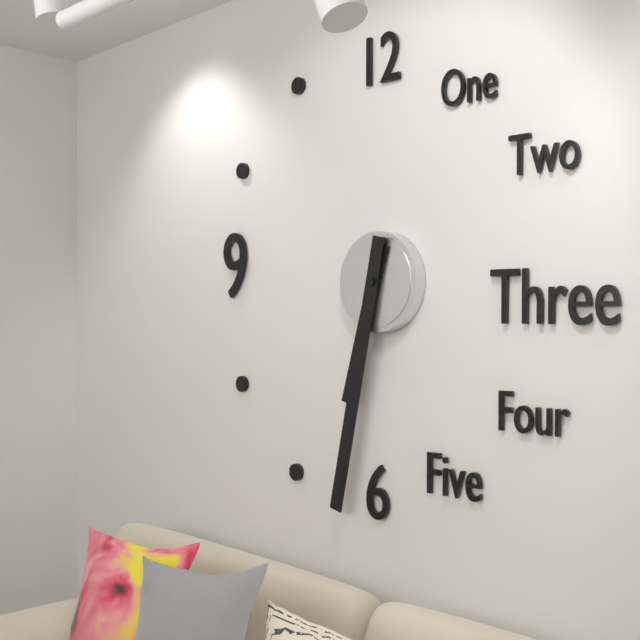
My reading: 6:32
